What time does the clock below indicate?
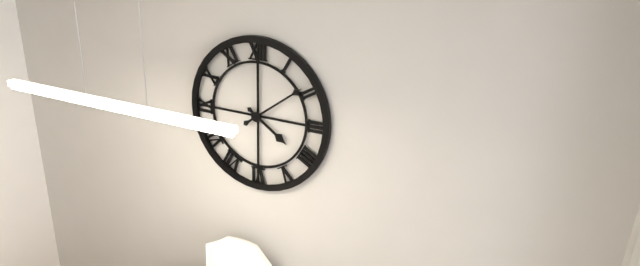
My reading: 4:09
